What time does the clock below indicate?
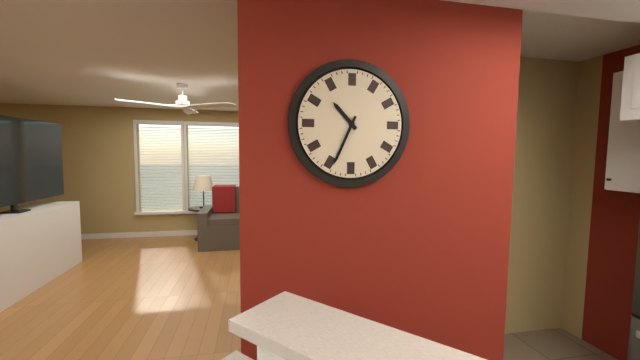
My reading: 10:34
